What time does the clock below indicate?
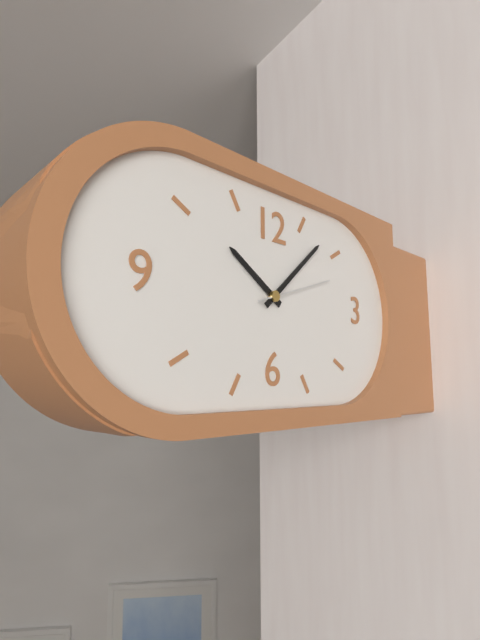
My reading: 10:08:12
